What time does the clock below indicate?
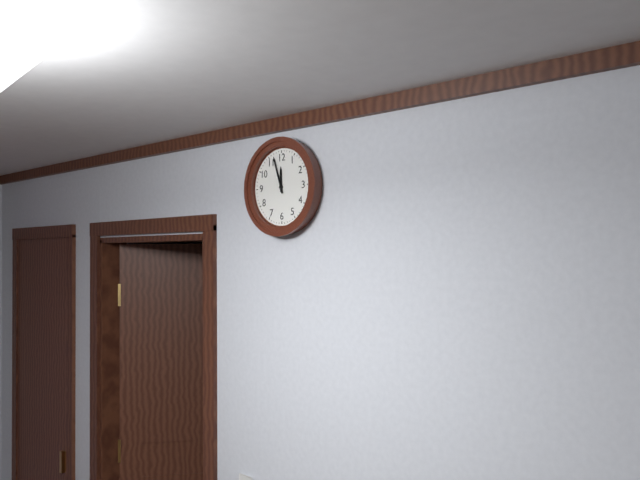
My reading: 11:57
